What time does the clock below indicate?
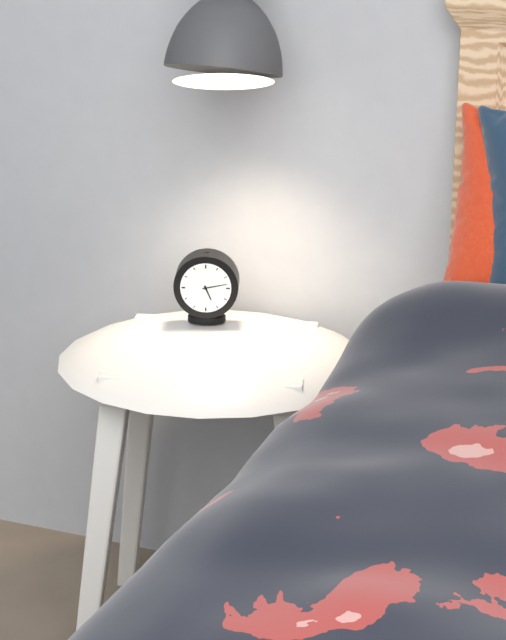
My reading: 5:13
